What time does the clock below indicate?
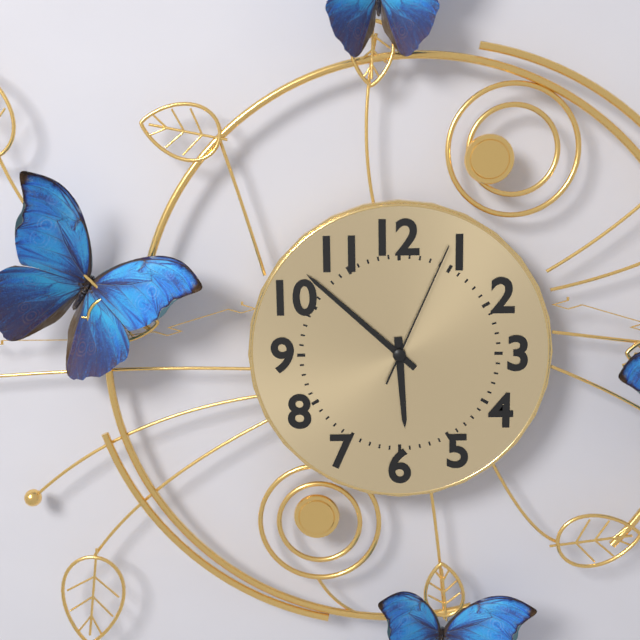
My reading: 5:52:04
